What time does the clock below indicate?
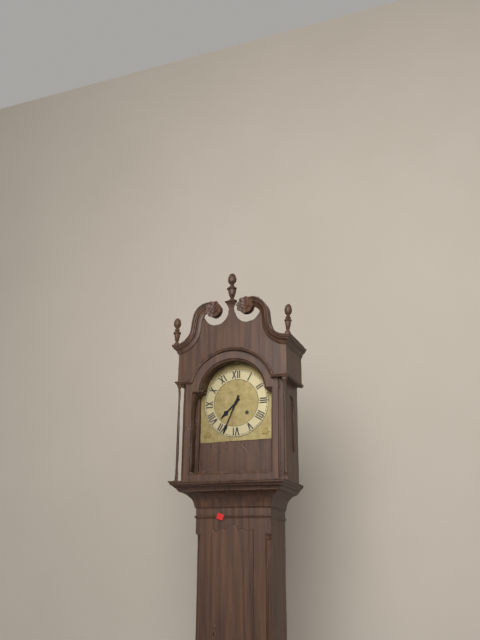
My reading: 7:34
